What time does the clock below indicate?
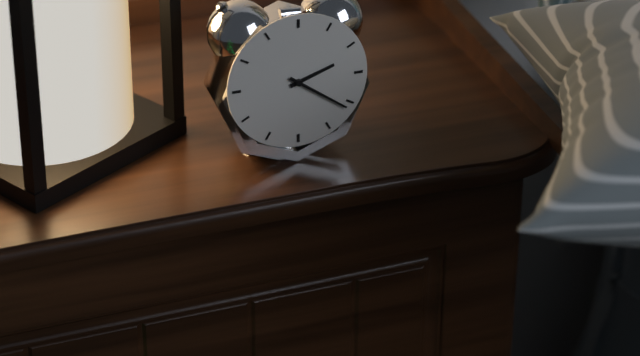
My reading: 2:21
